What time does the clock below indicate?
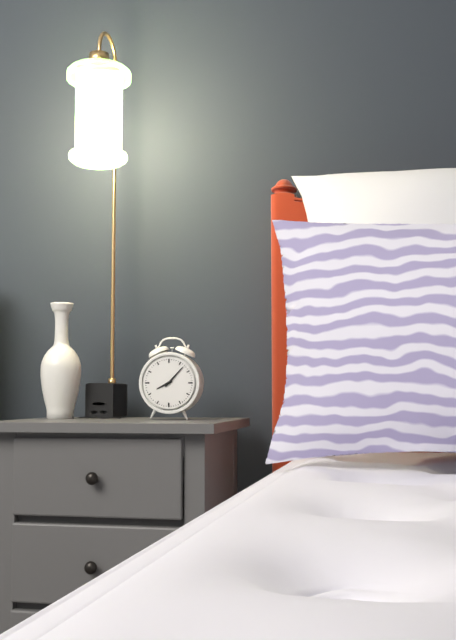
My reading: 8:07
